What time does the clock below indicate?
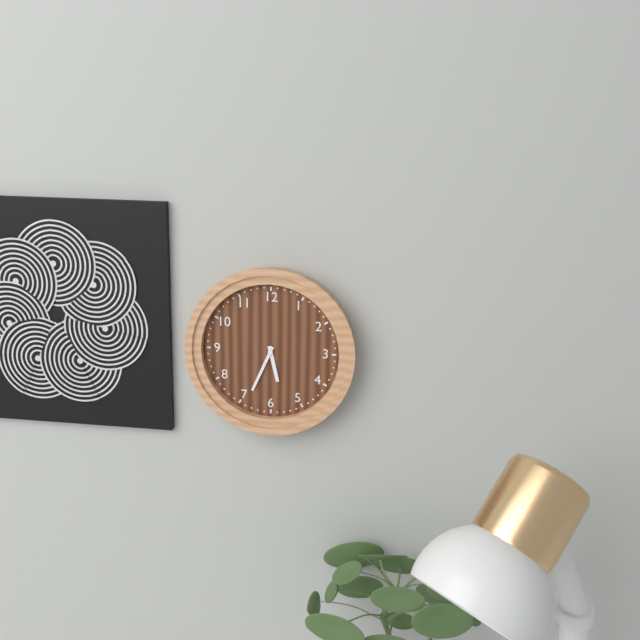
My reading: 5:34
